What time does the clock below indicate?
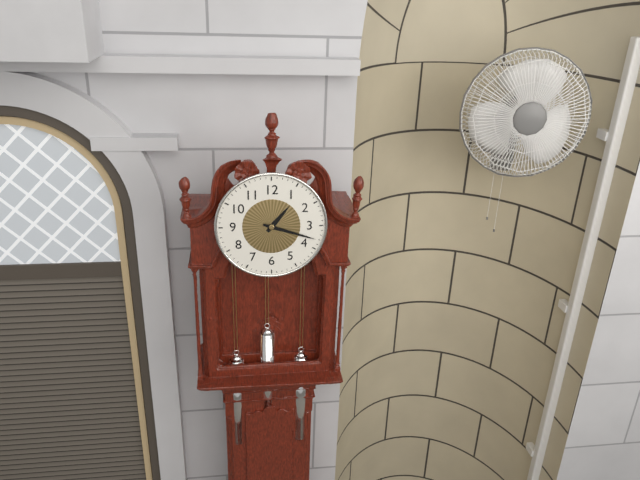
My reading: 1:18
